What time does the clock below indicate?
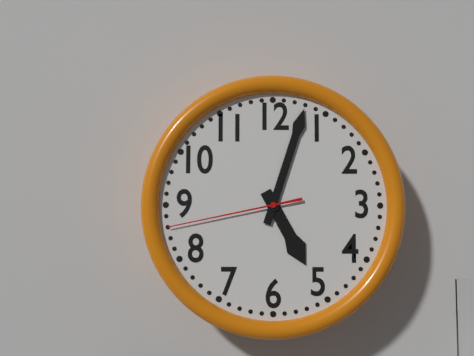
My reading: 5:03:43
